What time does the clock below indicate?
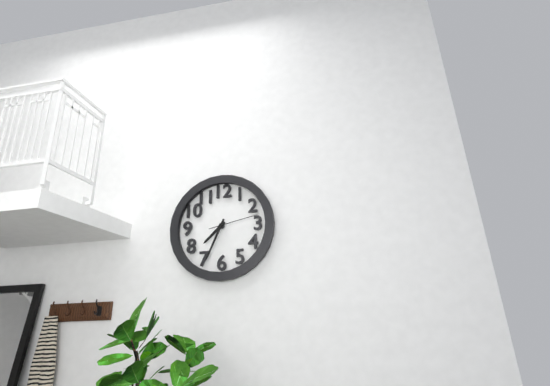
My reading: 7:34:13
